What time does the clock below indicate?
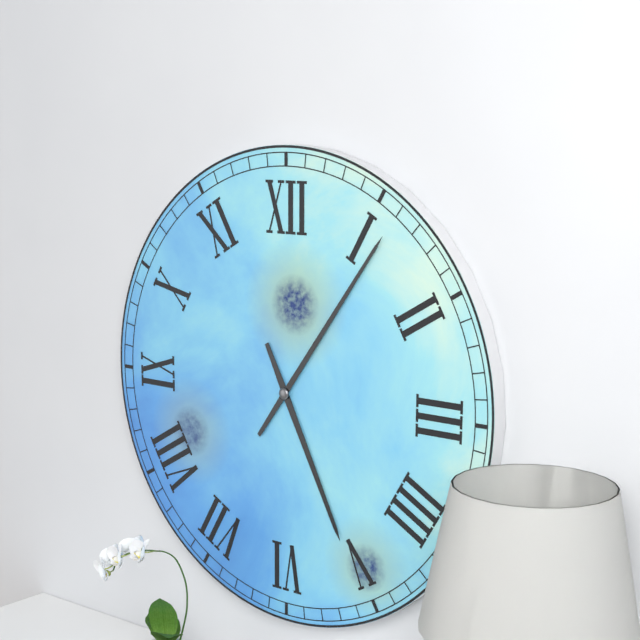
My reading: 5:06
